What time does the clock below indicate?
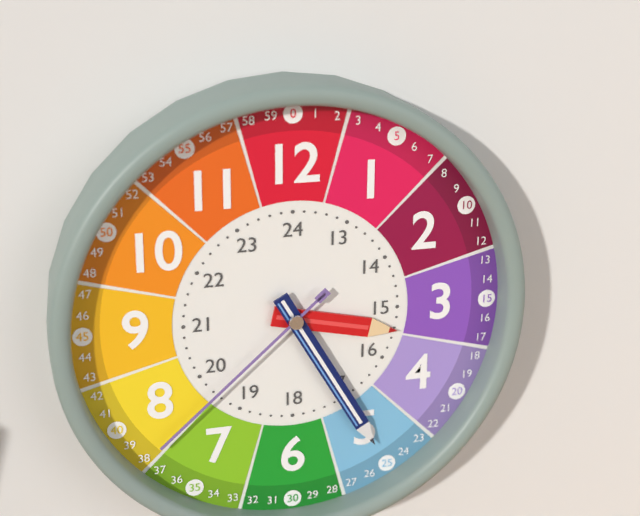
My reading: 3:25:38
